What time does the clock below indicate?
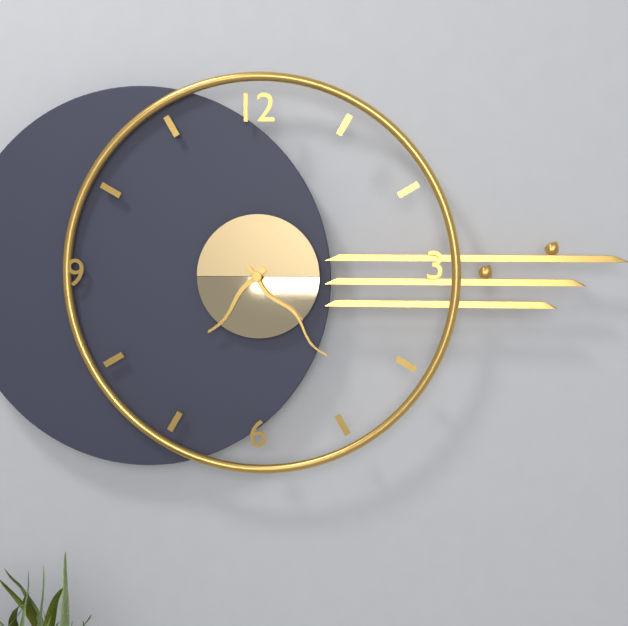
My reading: 7:23
